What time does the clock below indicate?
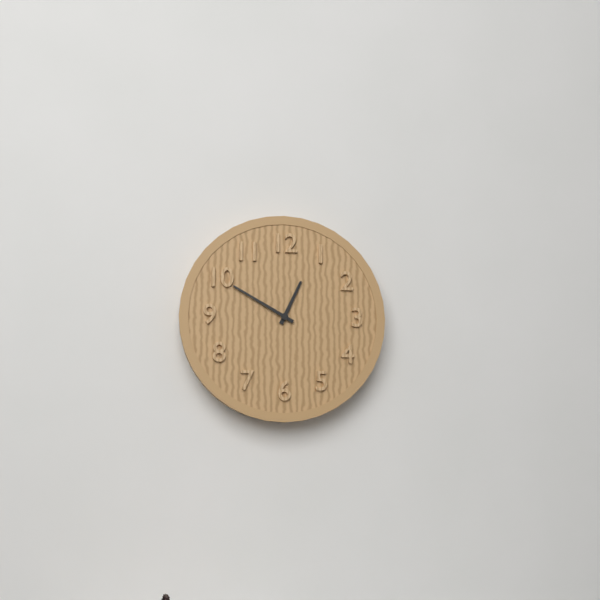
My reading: 12:50
